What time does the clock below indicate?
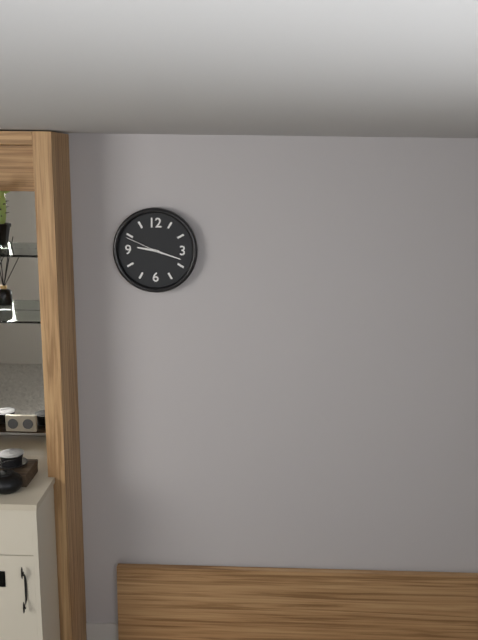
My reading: 9:18
